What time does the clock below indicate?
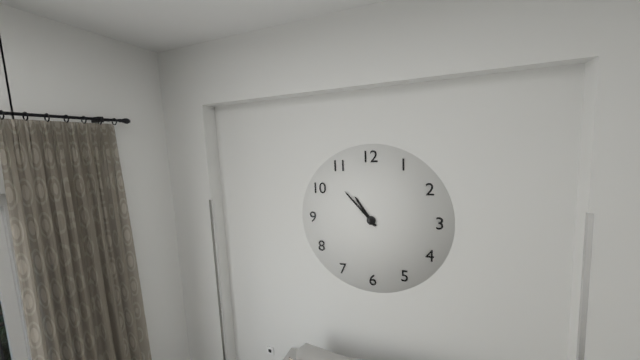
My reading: 10:53
